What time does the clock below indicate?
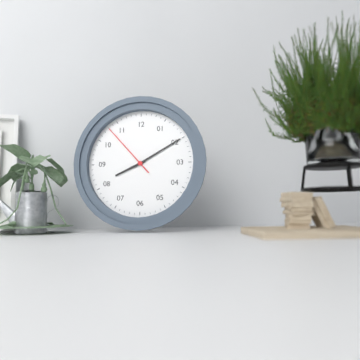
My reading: 8:10:53
